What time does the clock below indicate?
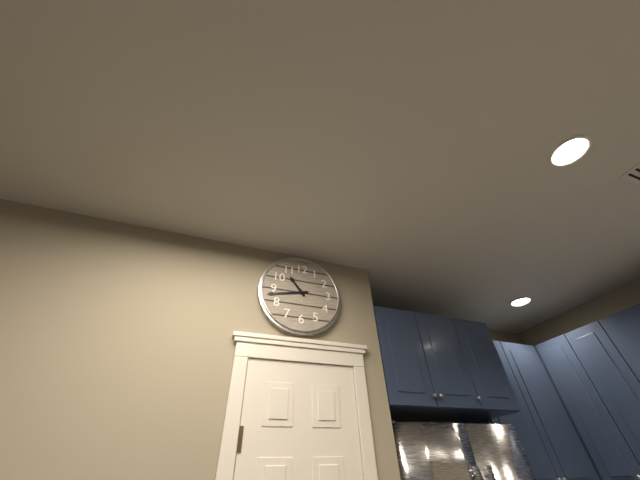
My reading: 10:43
